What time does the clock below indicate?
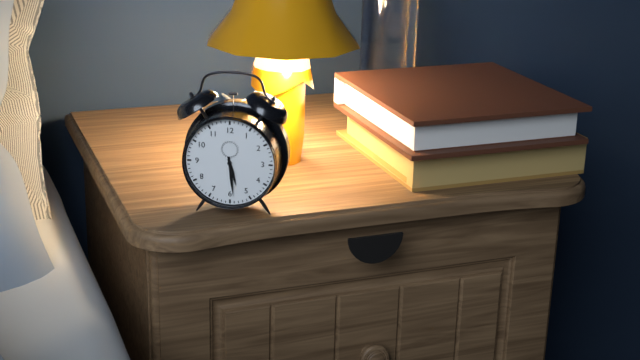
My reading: 5:29
